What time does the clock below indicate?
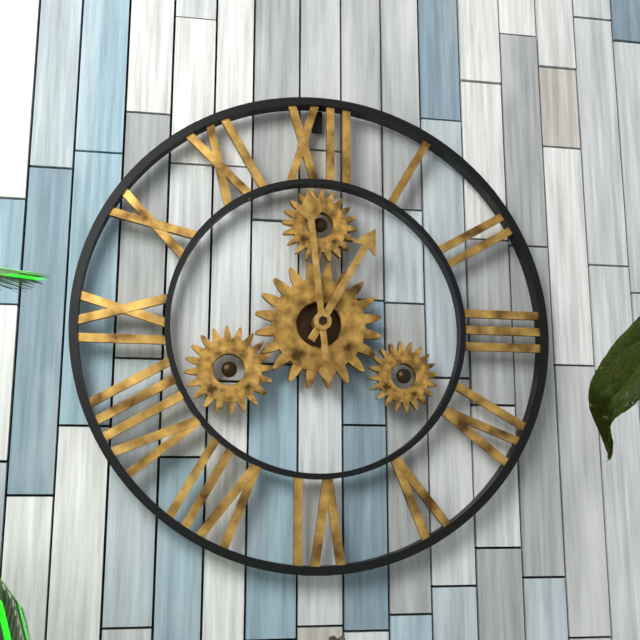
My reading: 12:59
